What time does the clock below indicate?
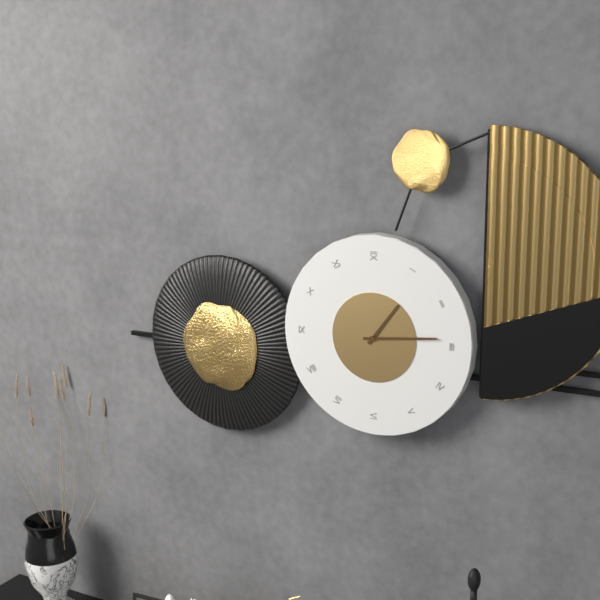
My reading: 1:14
